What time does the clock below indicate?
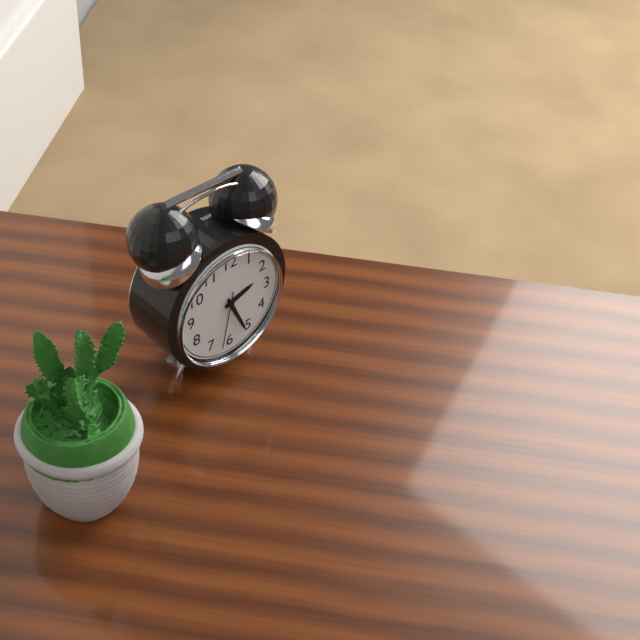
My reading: 2:26:32
